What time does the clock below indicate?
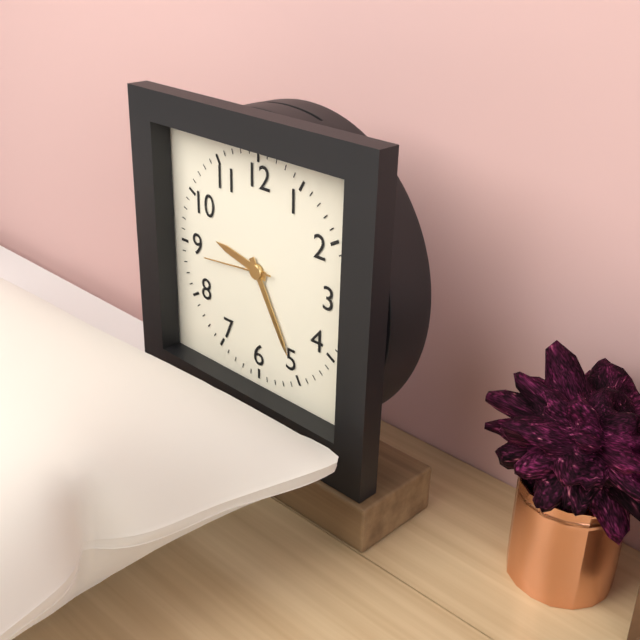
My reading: 9:25:44
